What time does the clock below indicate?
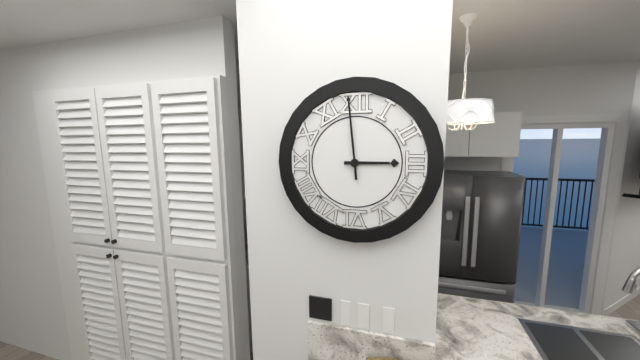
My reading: 2:59
